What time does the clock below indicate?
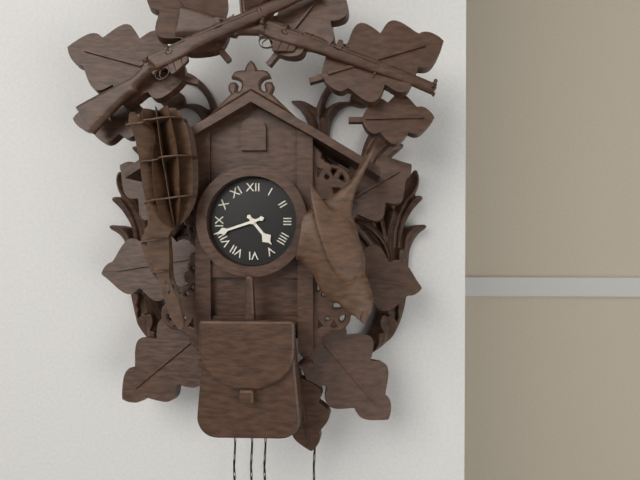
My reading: 4:42
